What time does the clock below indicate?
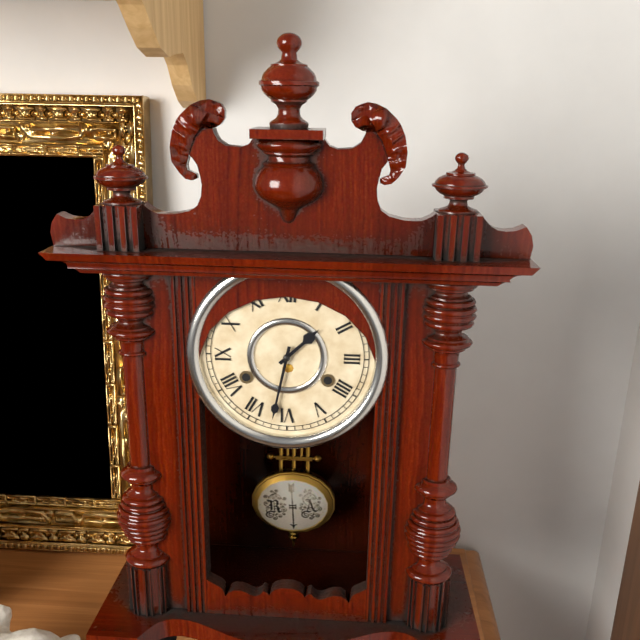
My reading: 1:32
